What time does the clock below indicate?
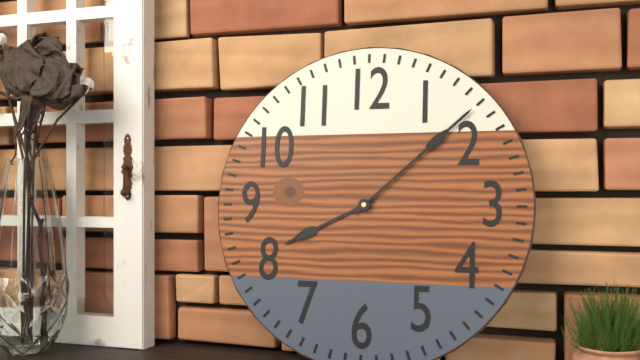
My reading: 8:08
